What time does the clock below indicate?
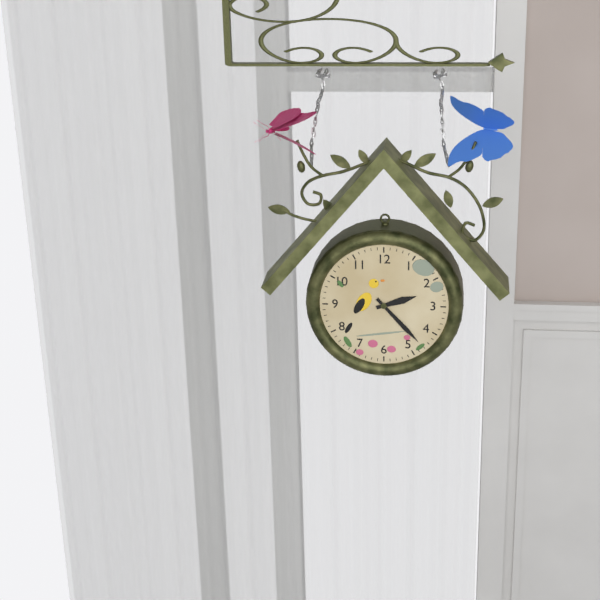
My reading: 2:23
